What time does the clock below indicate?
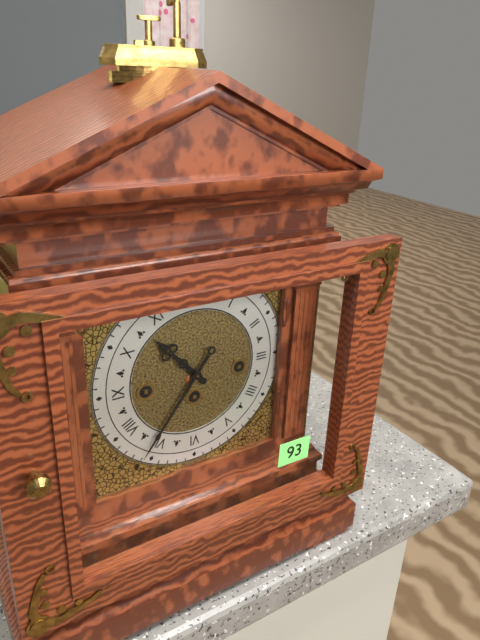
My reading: 10:36
